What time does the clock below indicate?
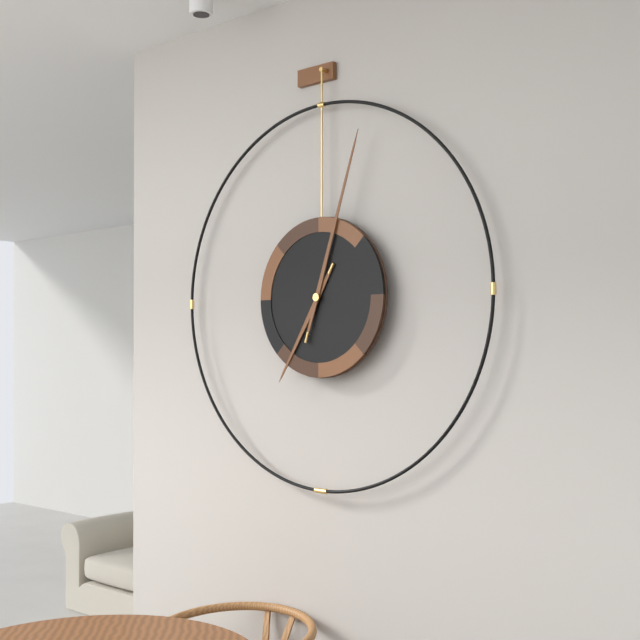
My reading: 7:03
